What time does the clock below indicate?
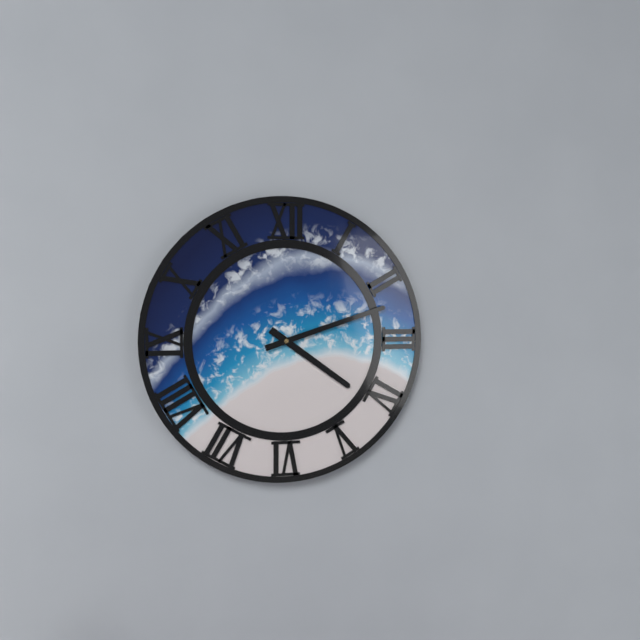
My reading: 4:12
